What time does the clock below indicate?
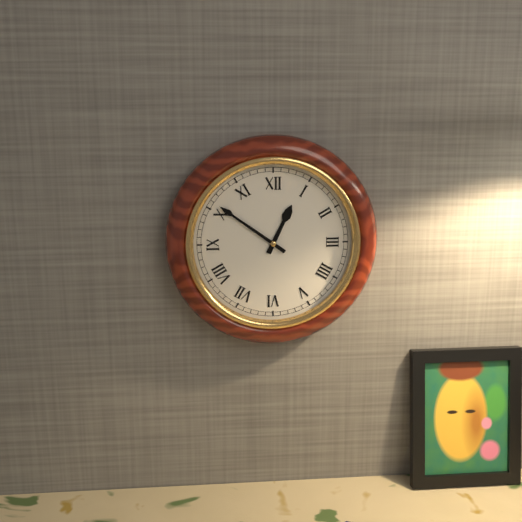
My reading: 12:51
